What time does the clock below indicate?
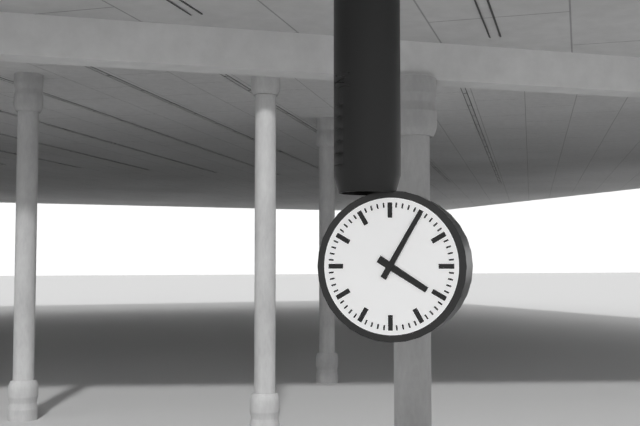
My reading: 4:05
